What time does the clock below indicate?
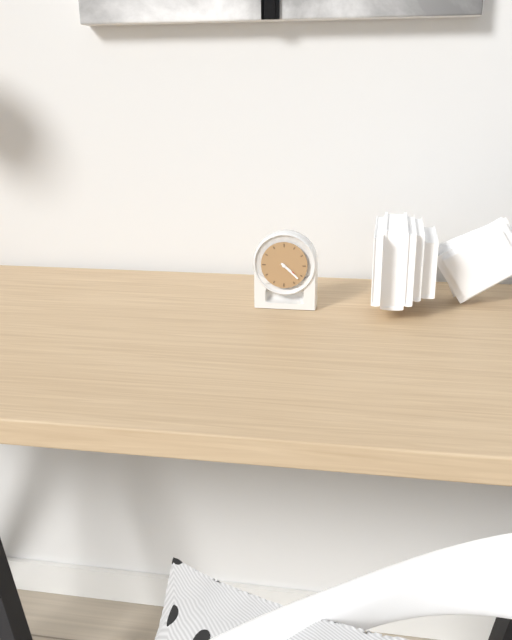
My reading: 4:22
